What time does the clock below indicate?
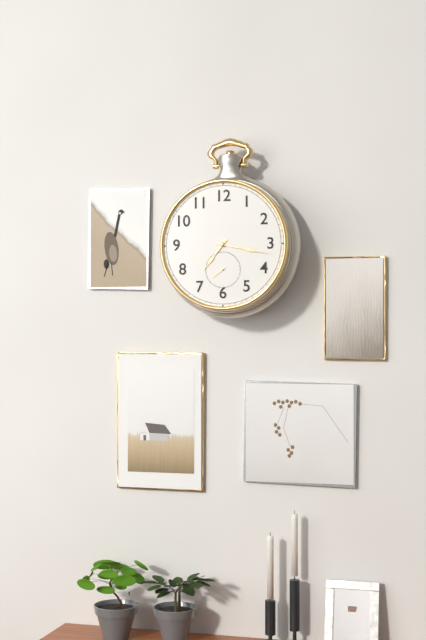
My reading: 7:17
